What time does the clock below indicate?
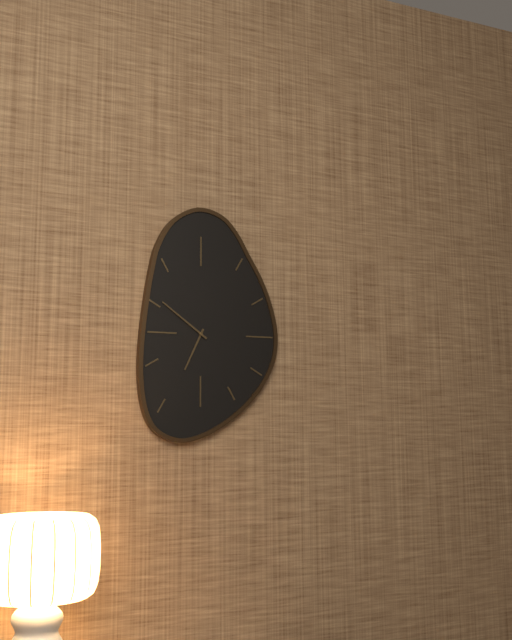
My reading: 6:51
